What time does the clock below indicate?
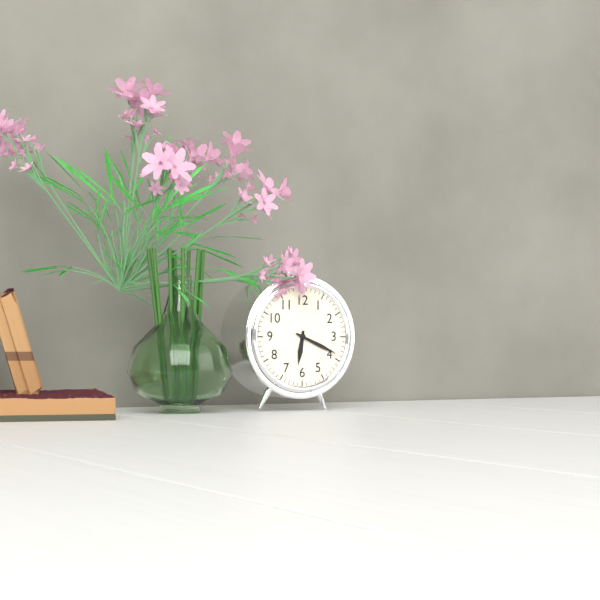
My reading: 6:19
